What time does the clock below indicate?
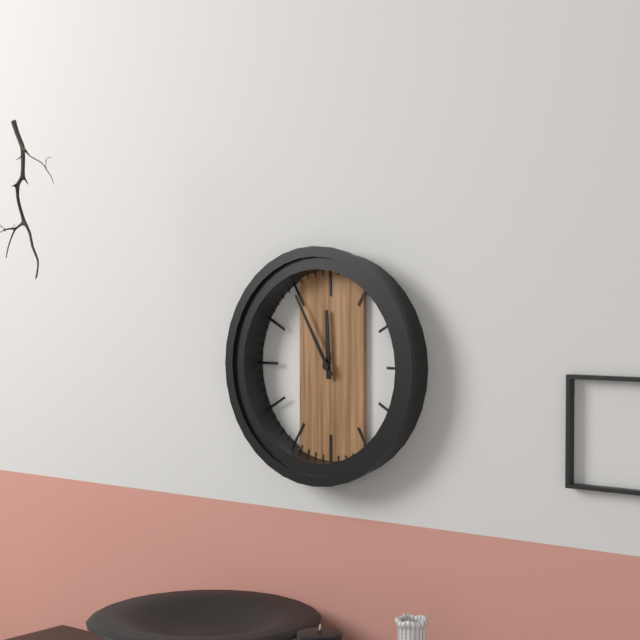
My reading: 11:55
